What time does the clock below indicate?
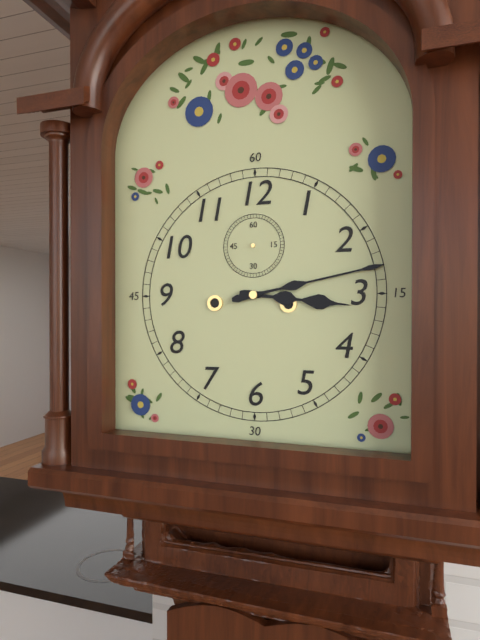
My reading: 3:13
